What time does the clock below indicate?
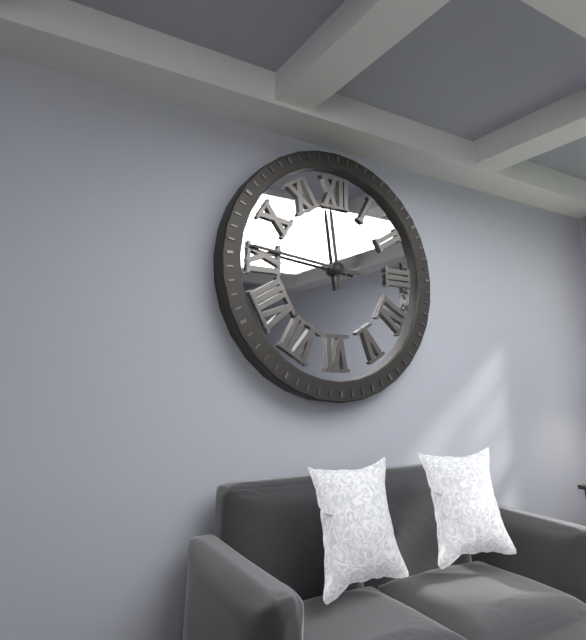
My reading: 11:46
